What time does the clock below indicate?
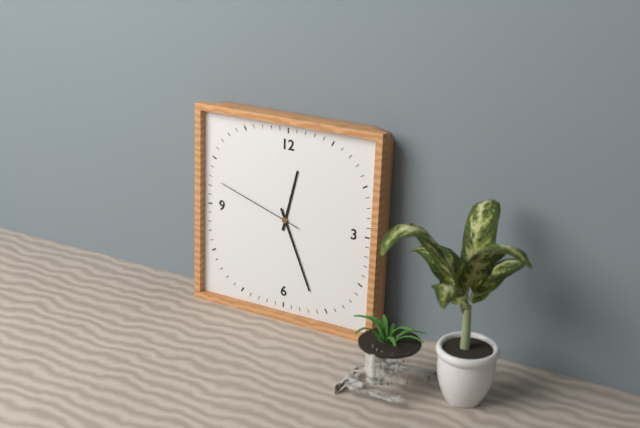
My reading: 12:26:48
